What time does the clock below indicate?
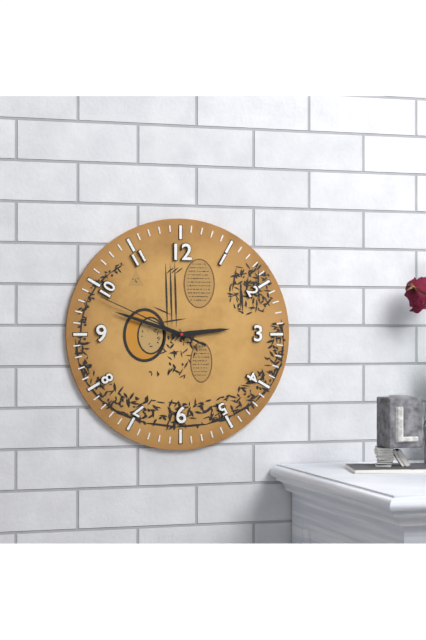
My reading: 2:48:49
